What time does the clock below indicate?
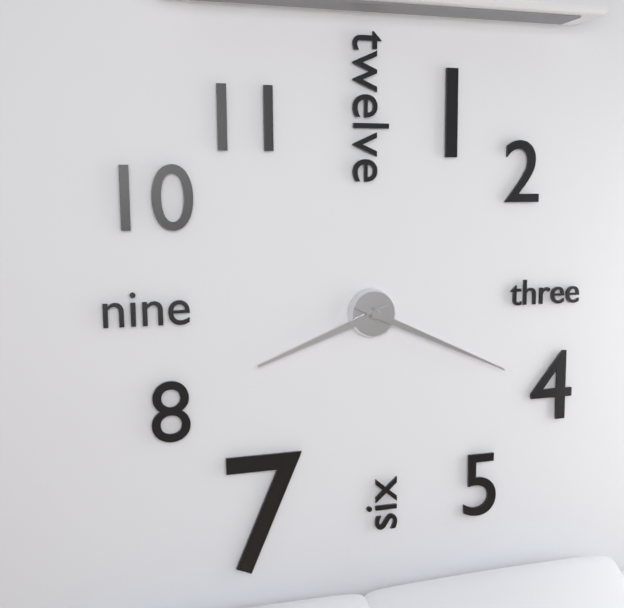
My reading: 8:19
